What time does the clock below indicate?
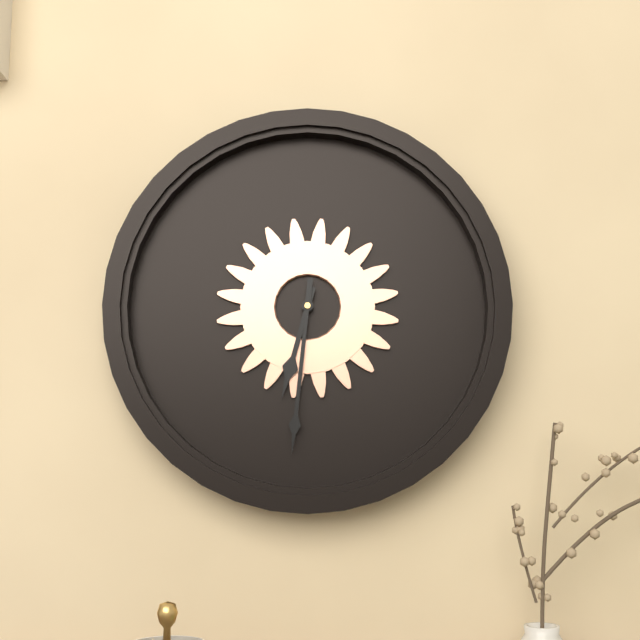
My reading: 6:31
